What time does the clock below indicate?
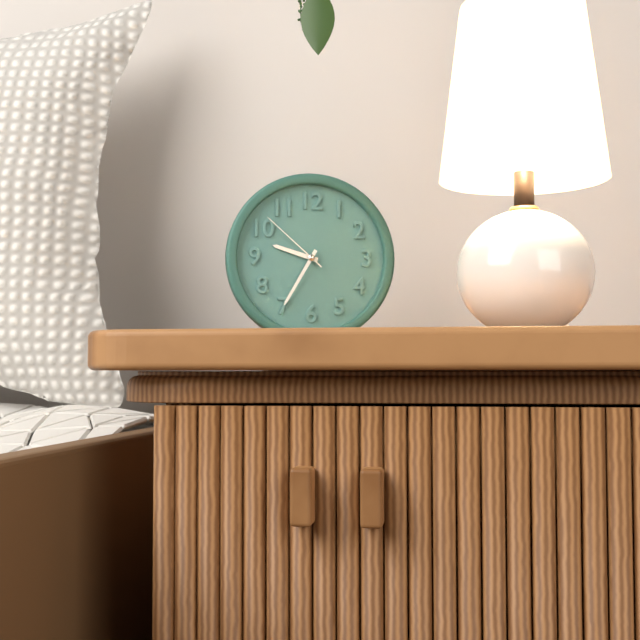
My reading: 9:35:52
